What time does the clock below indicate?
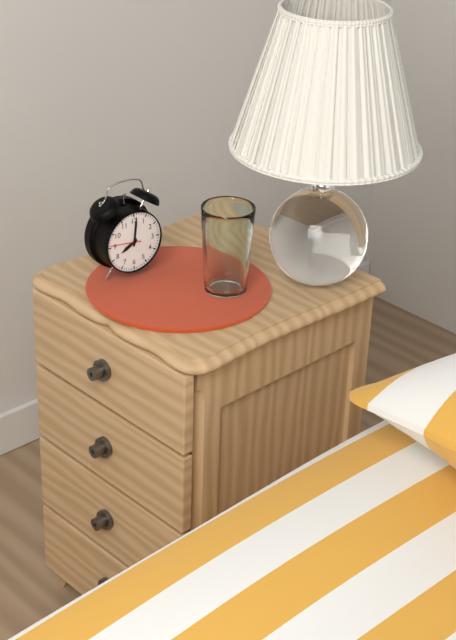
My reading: 8:01
